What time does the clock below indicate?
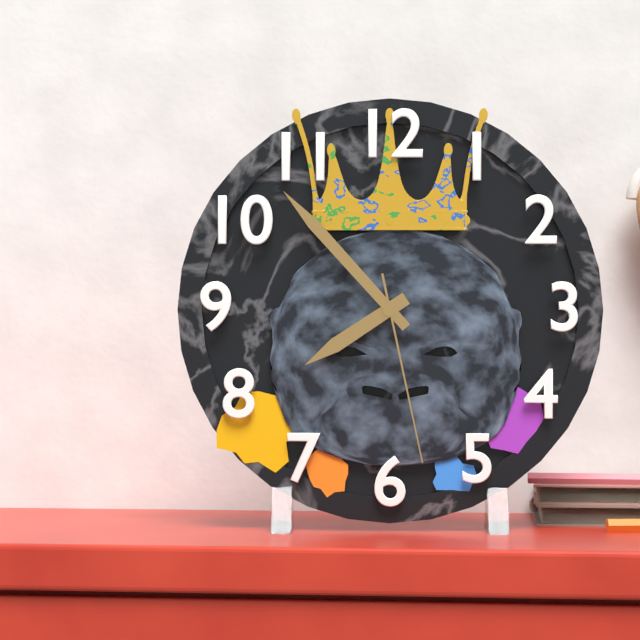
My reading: 7:53:28
